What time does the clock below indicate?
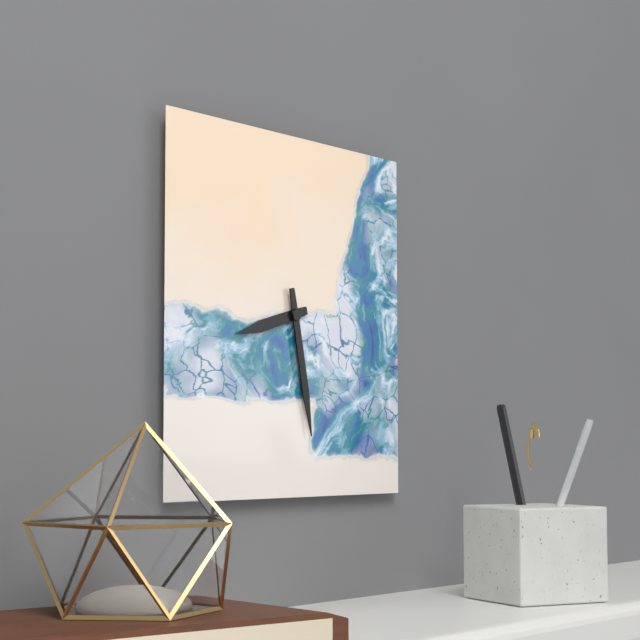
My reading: 8:28
